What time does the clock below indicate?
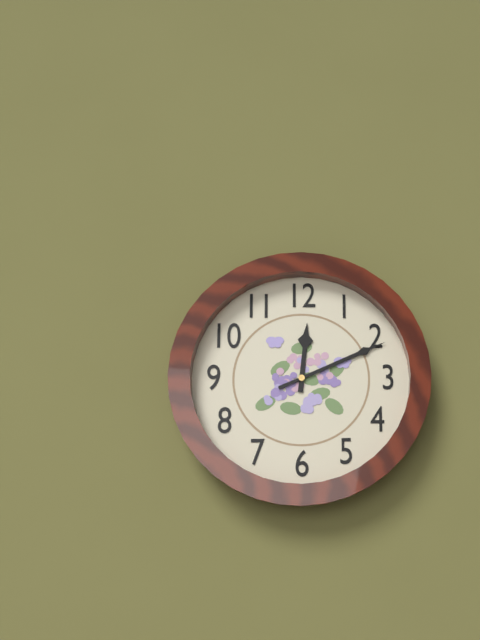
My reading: 12:11
